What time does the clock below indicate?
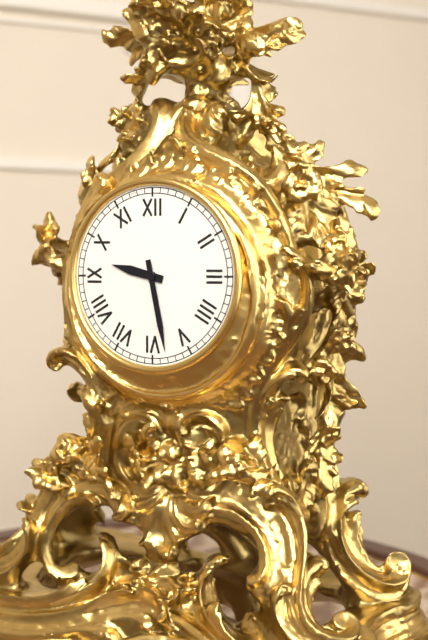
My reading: 9:28
